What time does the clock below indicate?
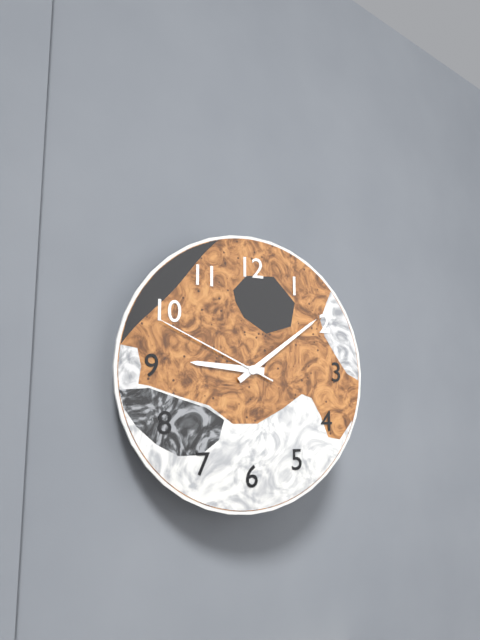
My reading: 9:09:49
